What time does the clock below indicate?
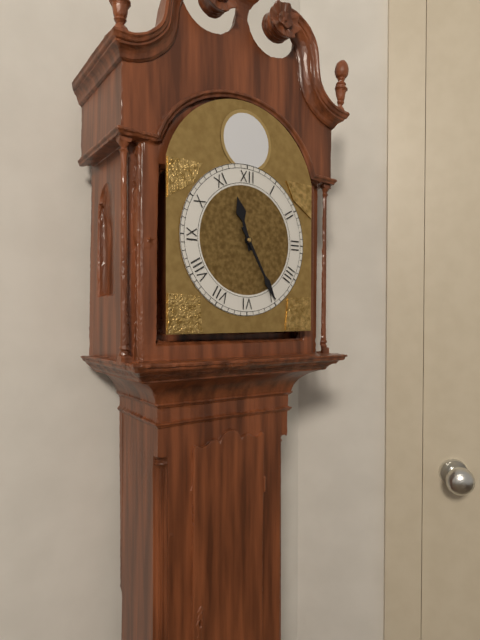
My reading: 11:25
